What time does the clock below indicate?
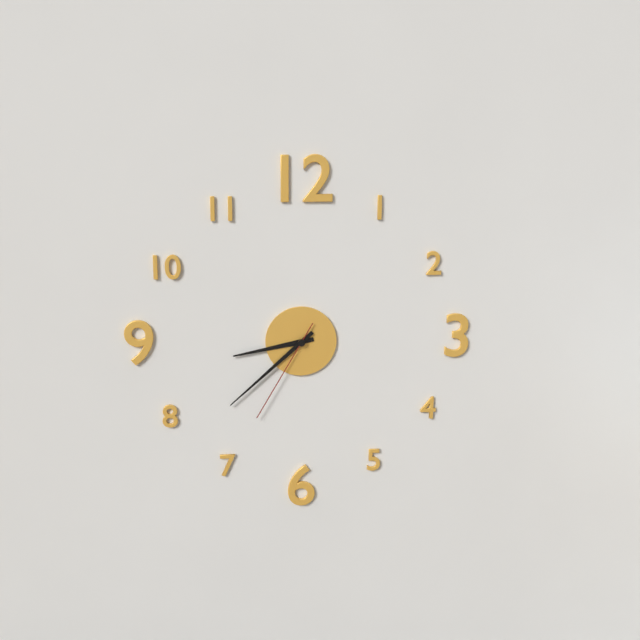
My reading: 8:38:35
